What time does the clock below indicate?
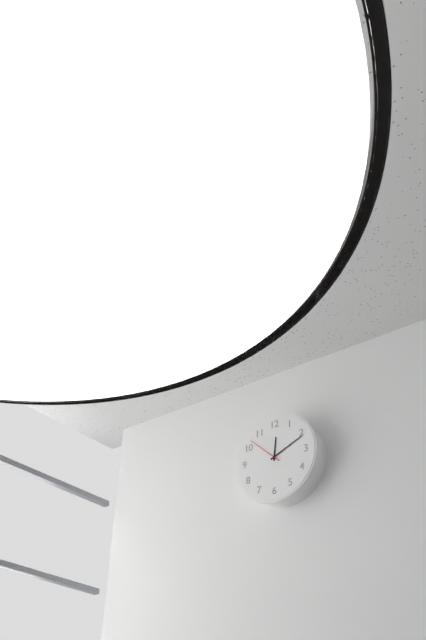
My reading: 12:11
